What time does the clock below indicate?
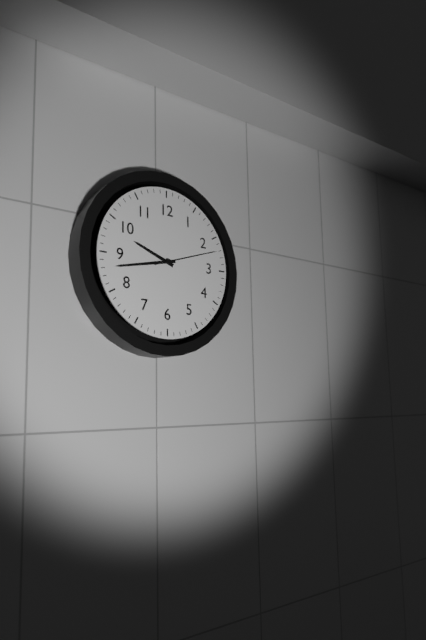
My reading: 9:43:12
